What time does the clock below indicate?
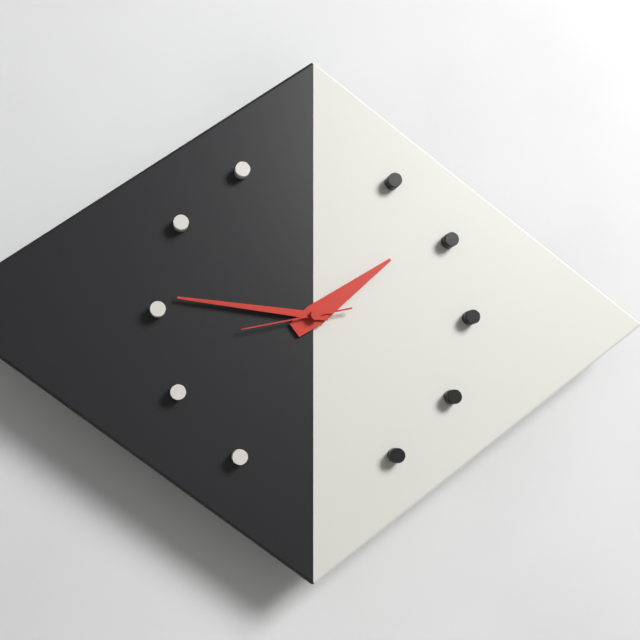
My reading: 1:46:43
